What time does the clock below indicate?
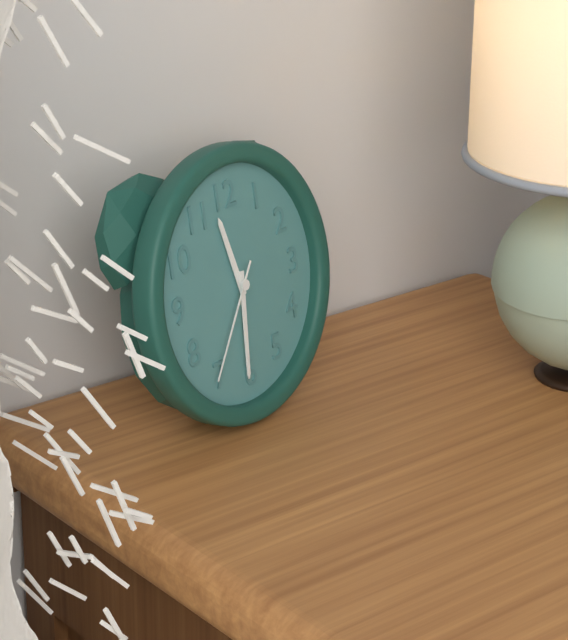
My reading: 11:31:36
